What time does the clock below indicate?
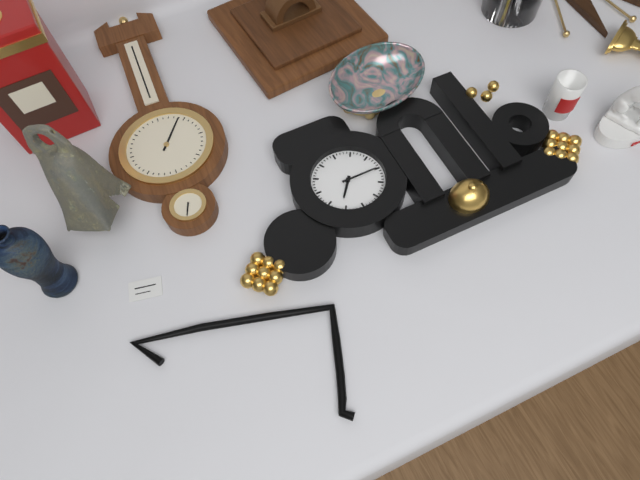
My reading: 7:15
